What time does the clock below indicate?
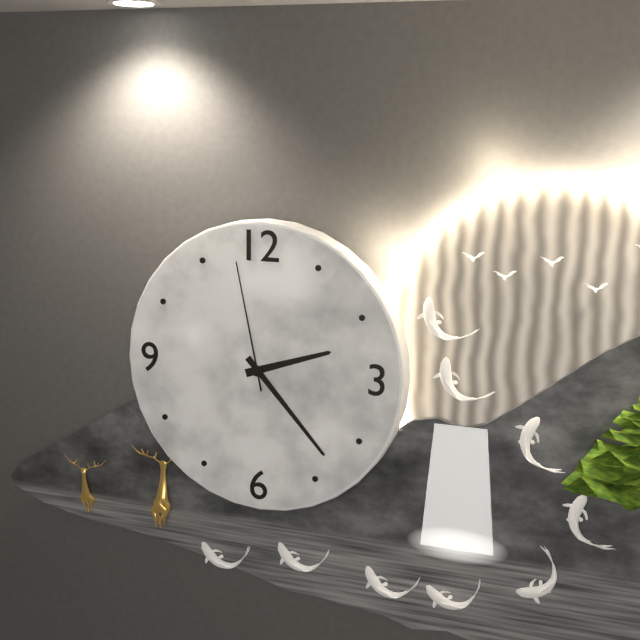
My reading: 2:23:58
